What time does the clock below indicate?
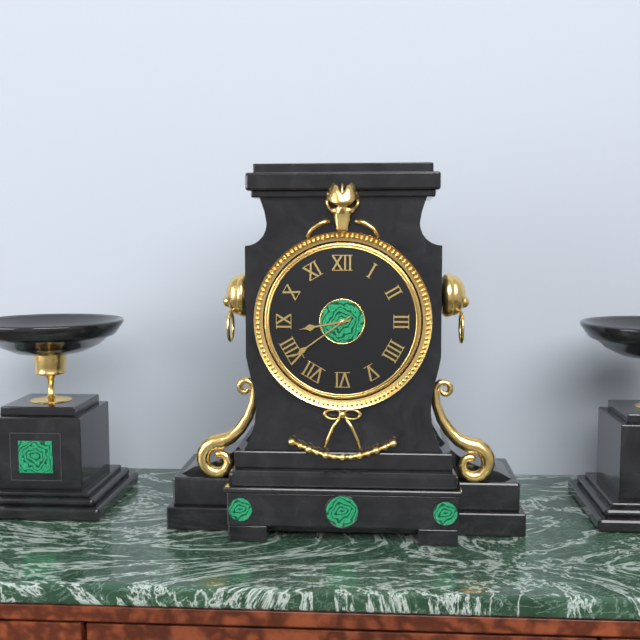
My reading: 8:39
